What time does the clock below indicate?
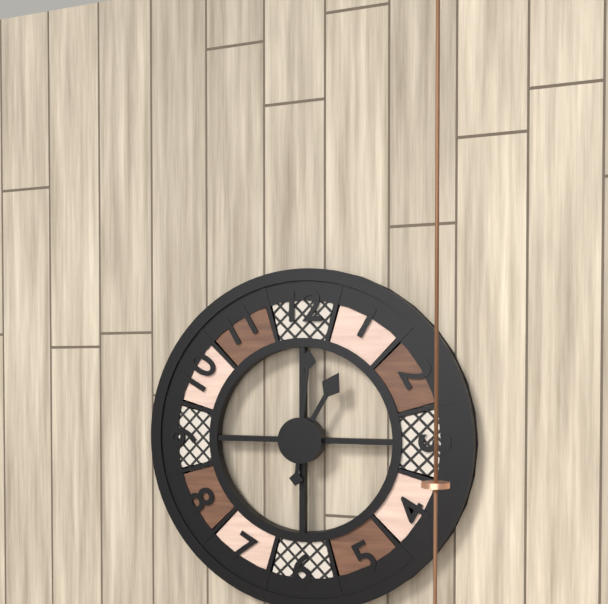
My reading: 1:01
